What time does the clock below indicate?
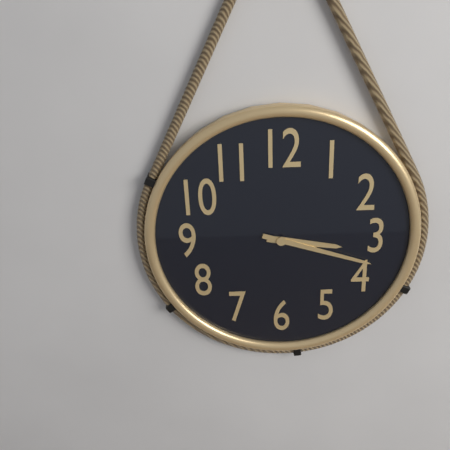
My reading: 3:18
